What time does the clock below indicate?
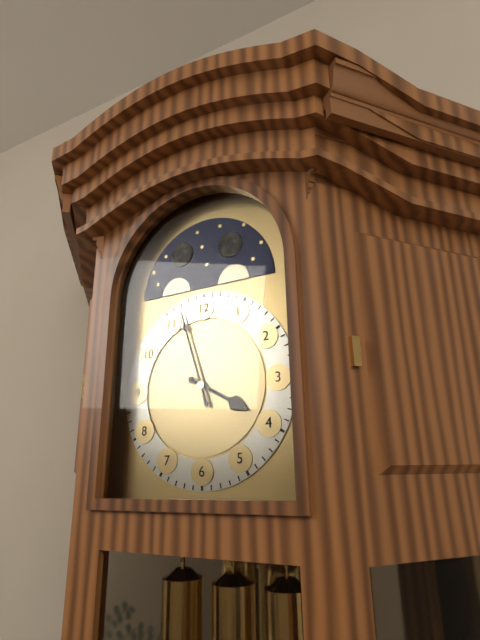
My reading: 3:57
